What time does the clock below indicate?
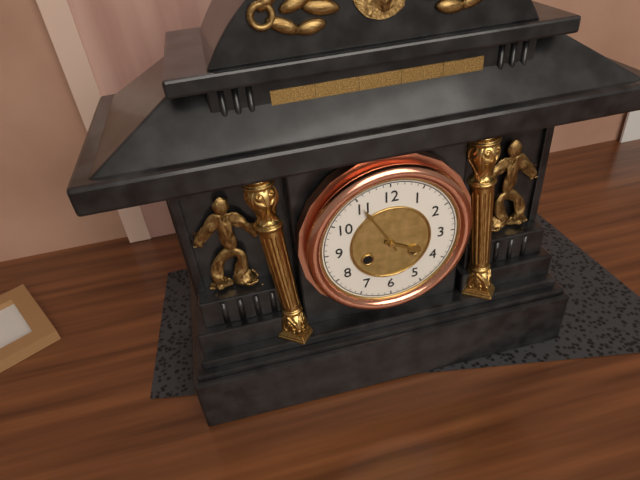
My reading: 3:55
